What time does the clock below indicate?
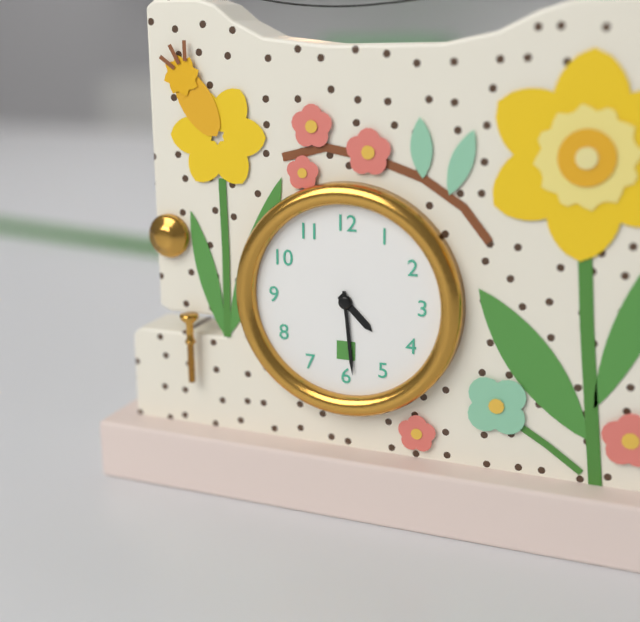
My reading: 4:29
